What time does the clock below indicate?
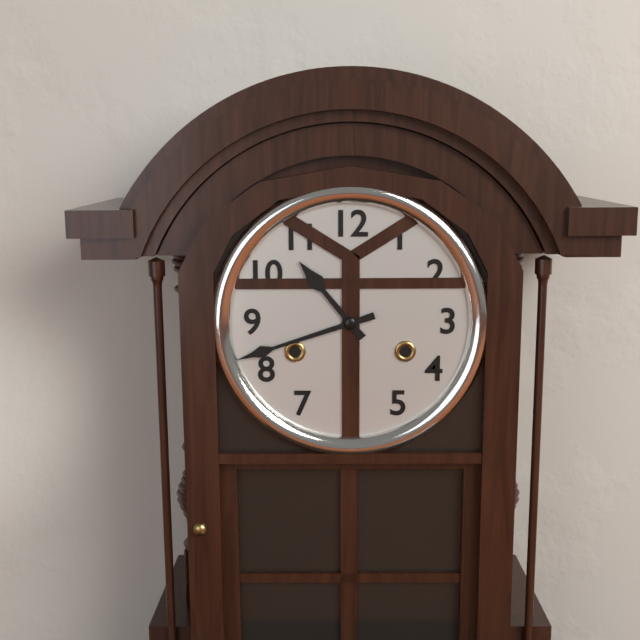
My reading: 10:42
